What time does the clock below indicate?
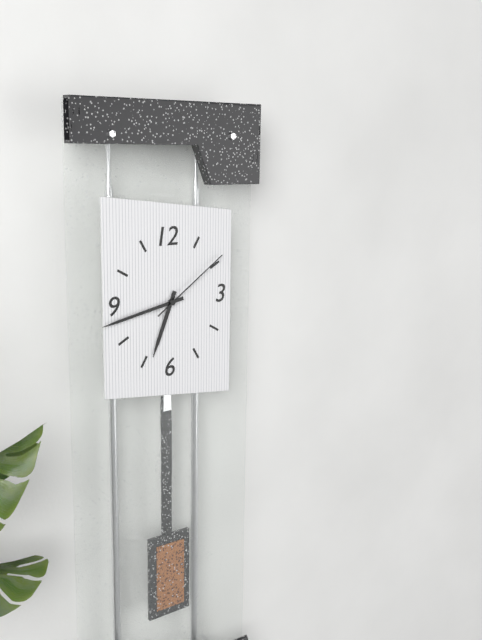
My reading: 6:43:09
